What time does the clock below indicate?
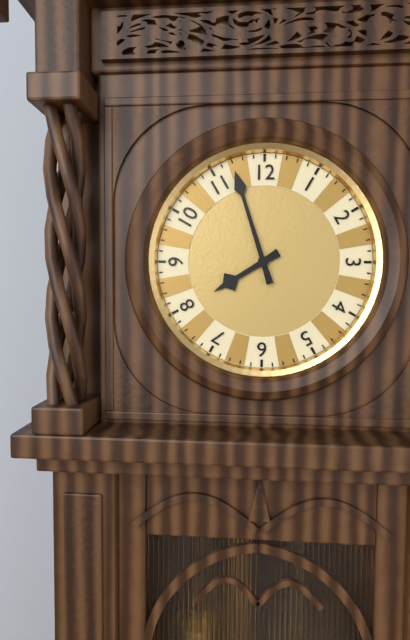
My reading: 7:57
